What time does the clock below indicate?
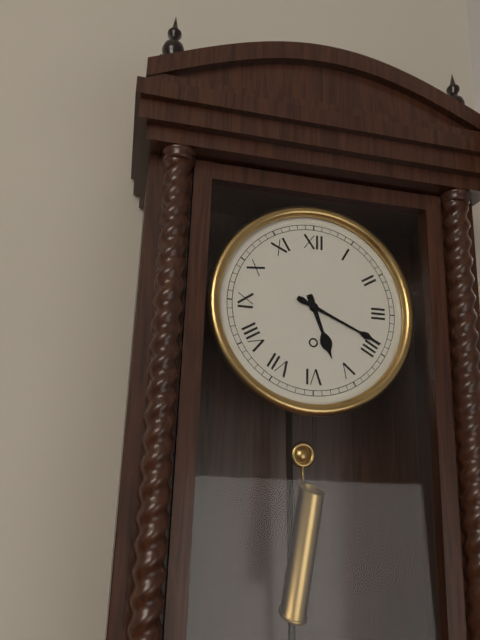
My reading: 5:19
